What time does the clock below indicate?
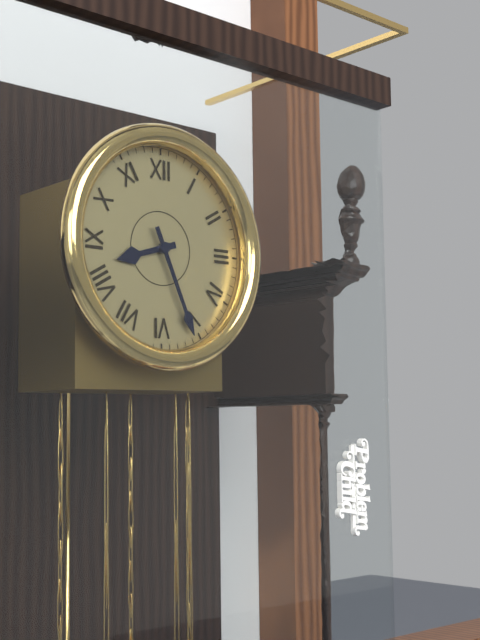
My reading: 8:26
